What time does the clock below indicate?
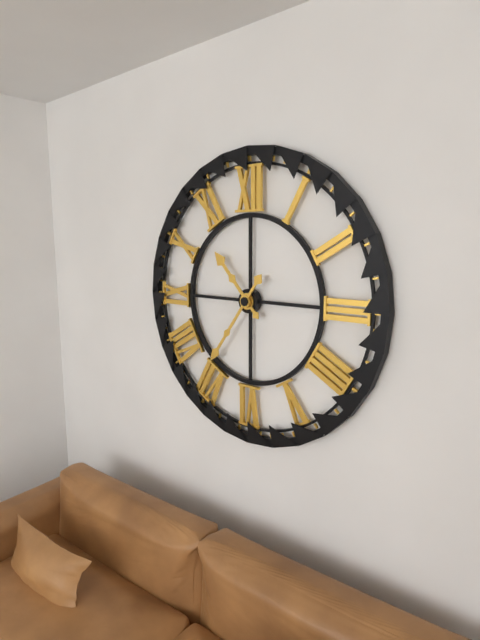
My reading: 10:36
